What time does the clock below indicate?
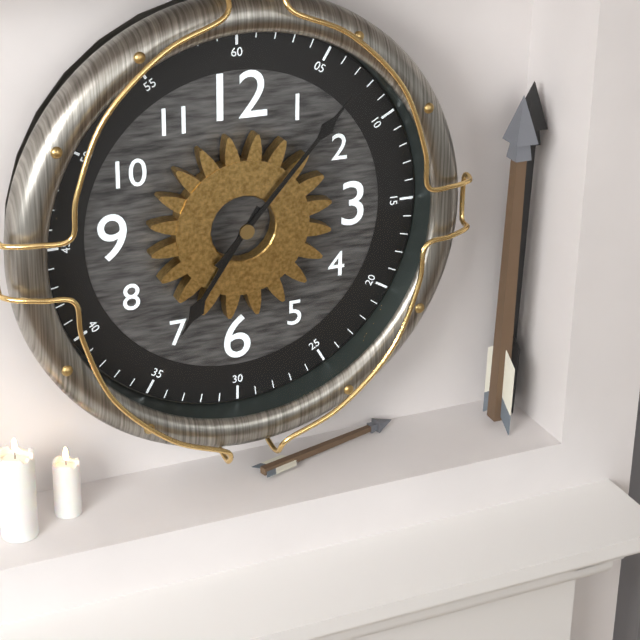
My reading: 7:07
